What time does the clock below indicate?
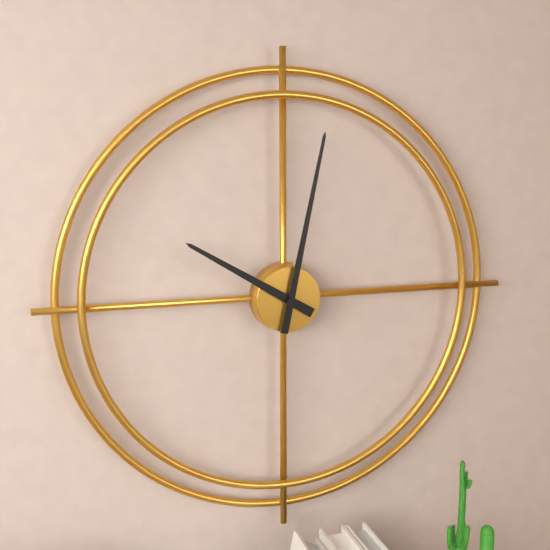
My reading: 10:02
